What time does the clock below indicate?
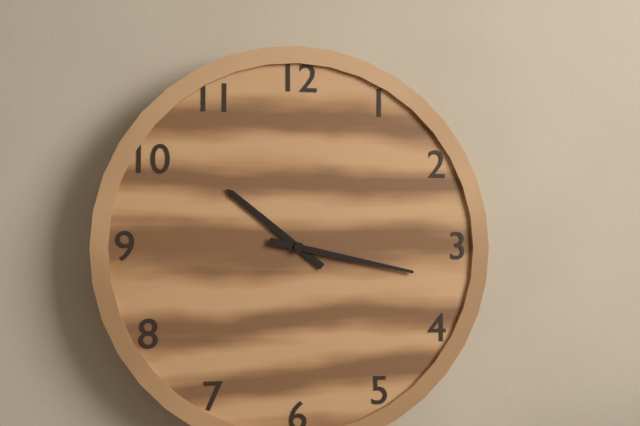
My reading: 10:17
